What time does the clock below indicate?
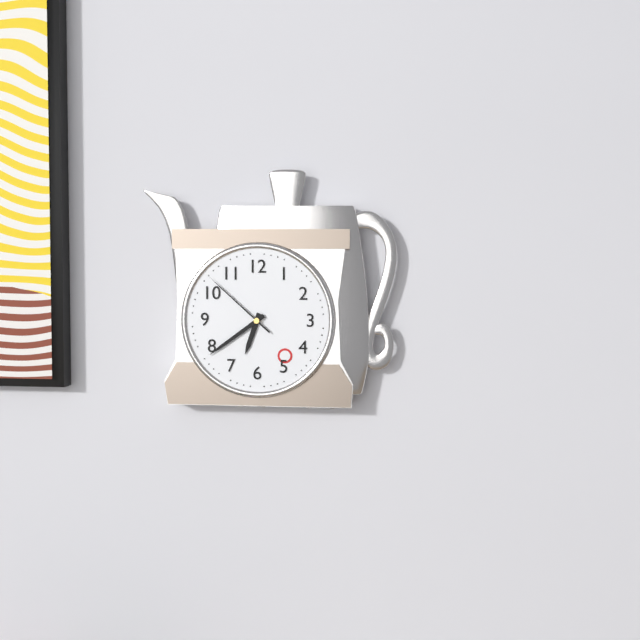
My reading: 6:39:52
